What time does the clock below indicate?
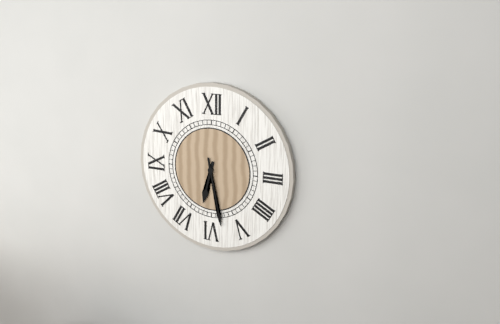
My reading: 6:28
